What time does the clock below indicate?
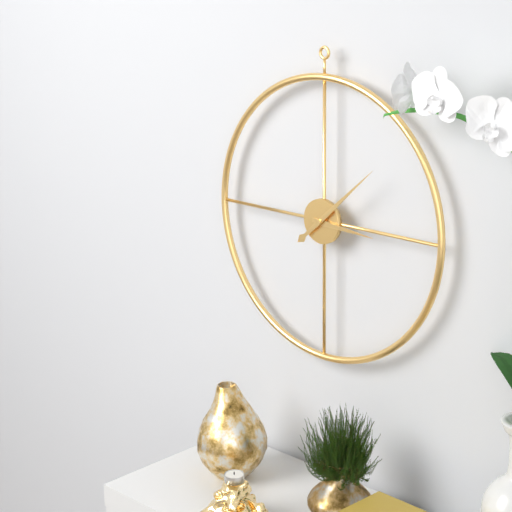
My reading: 3:08
